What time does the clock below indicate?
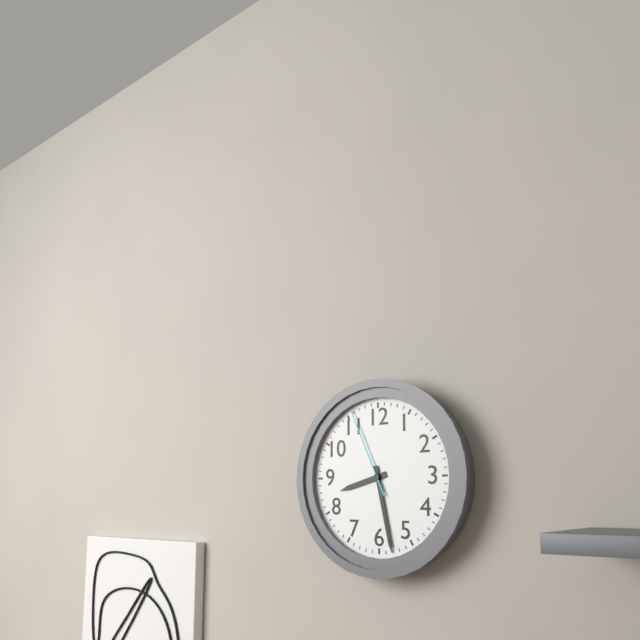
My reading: 8:28:56
